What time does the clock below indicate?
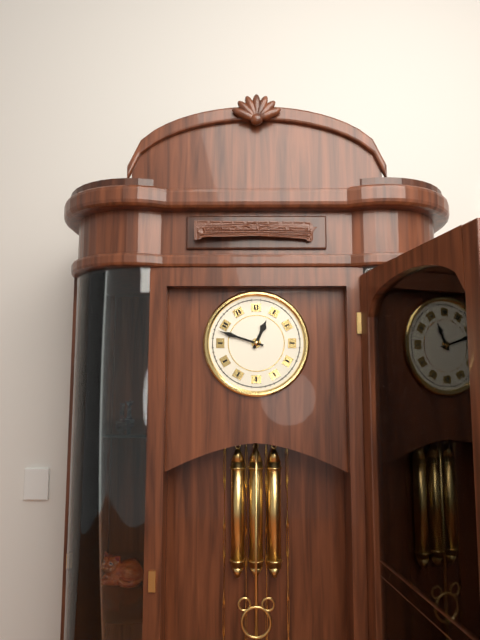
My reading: 12:48
